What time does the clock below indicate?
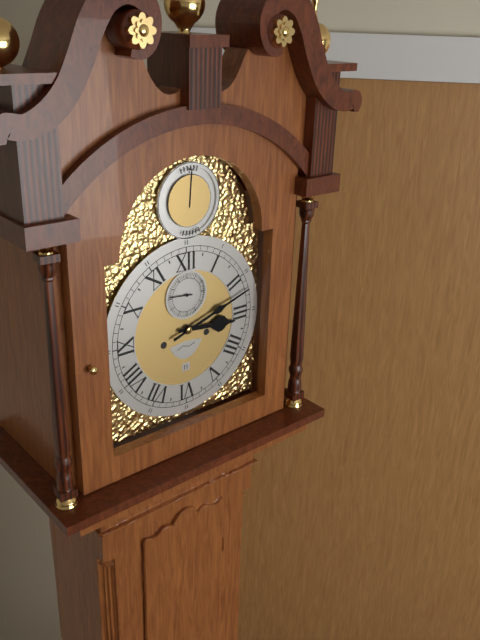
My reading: 3:12
